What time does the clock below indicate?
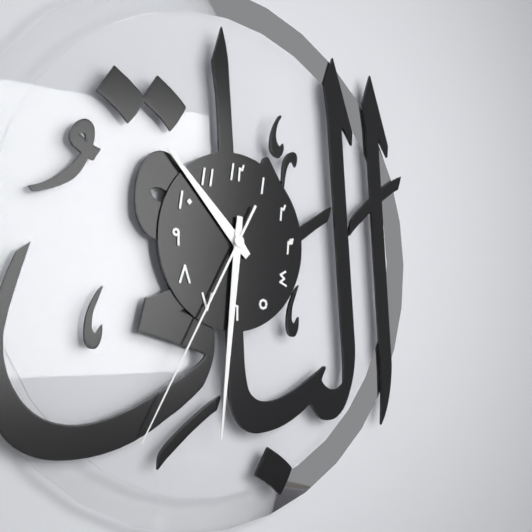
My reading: 10:31:35
